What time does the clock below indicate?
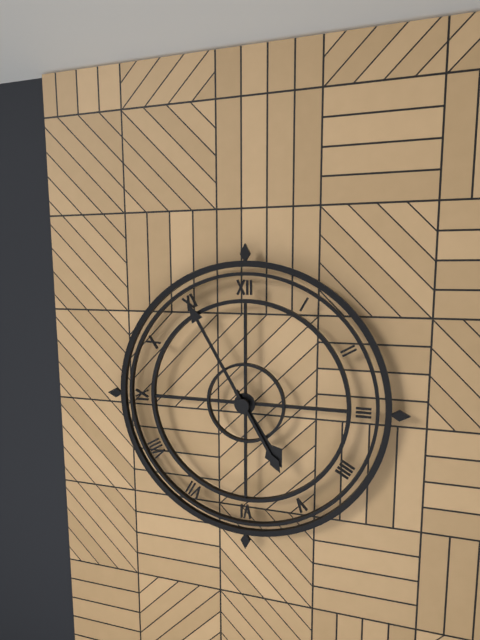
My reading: 4:55
